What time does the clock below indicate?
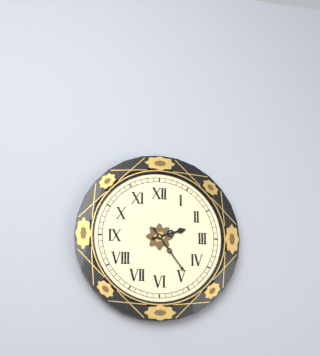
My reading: 2:24
